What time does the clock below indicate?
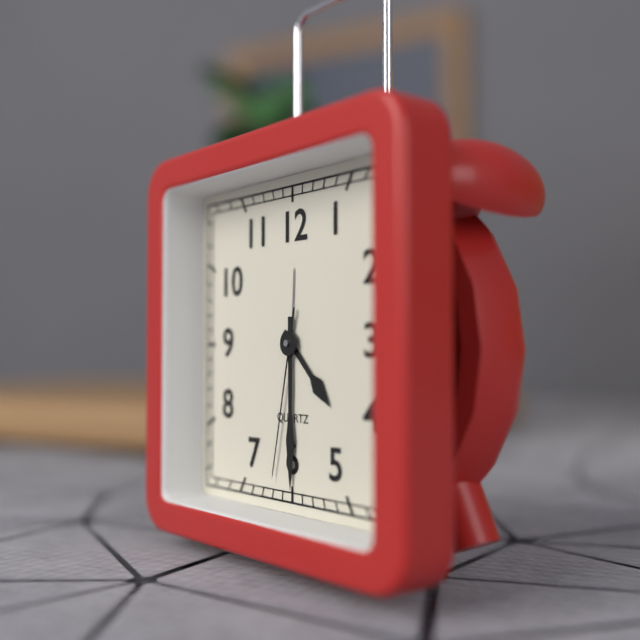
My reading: 4:30:32
